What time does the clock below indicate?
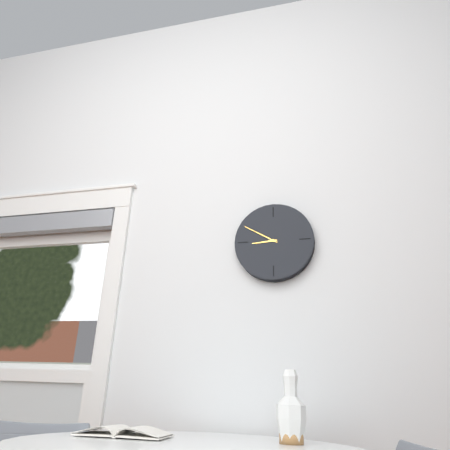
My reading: 8:50
